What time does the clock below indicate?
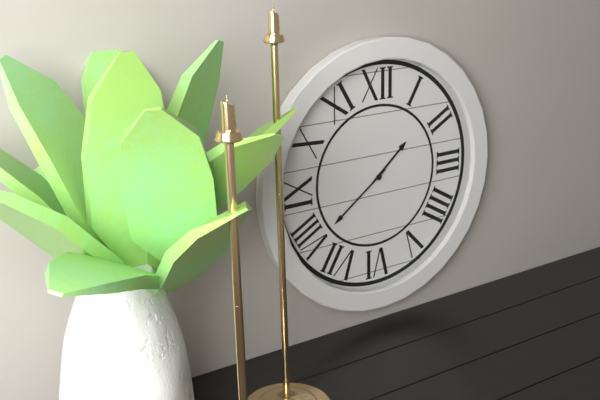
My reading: 1:39
